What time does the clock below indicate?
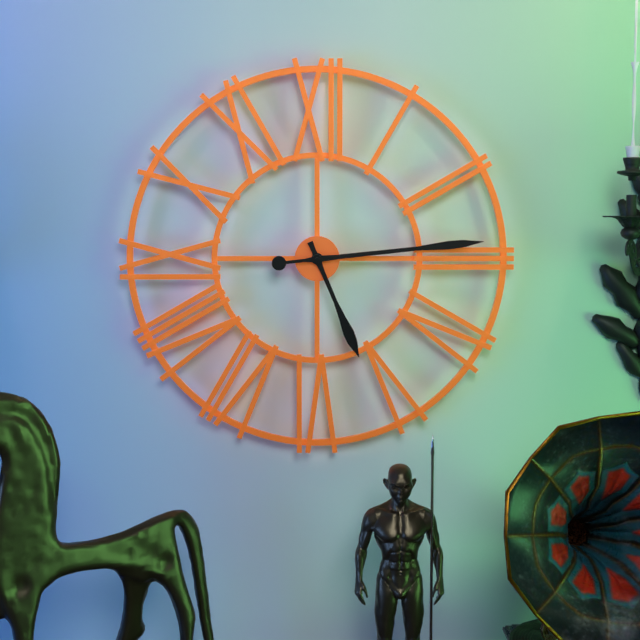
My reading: 5:14
